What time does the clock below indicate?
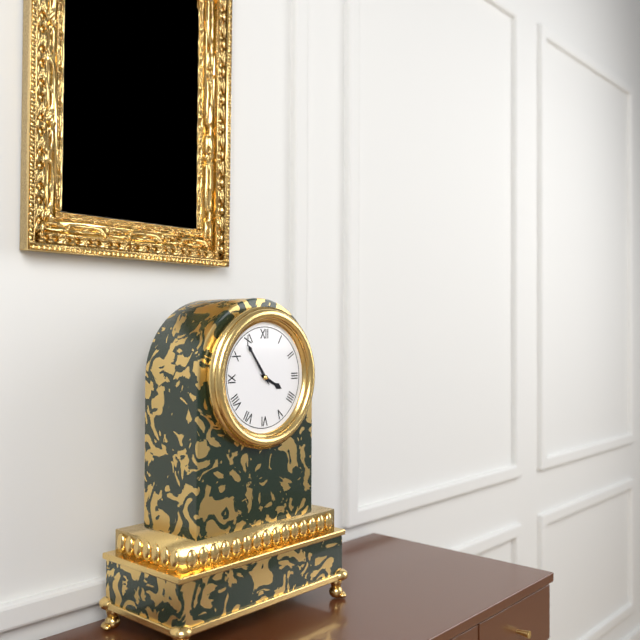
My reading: 3:54
